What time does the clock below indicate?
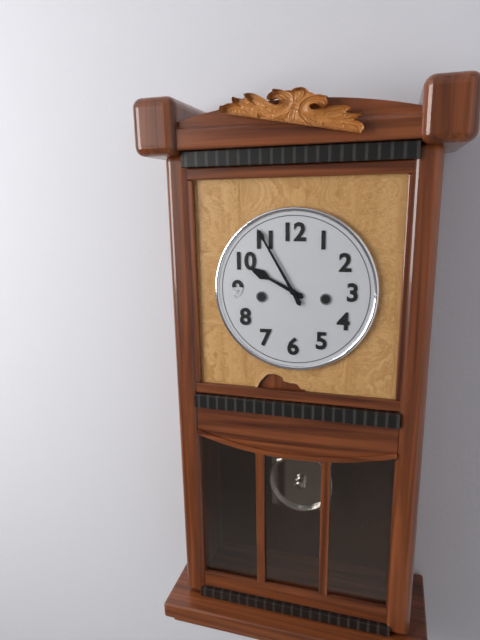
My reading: 9:55
